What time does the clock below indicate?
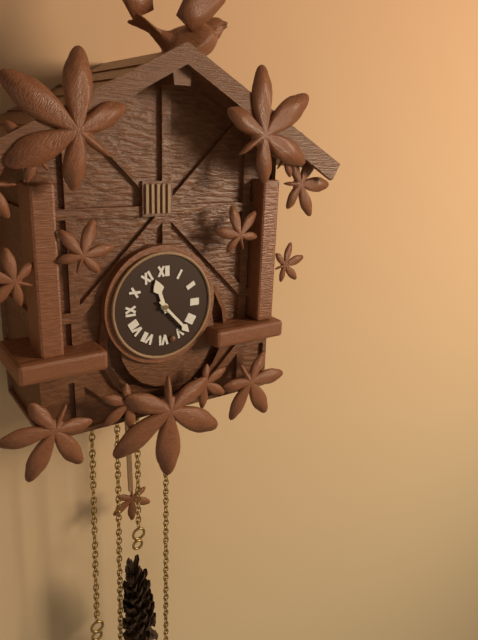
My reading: 11:23
